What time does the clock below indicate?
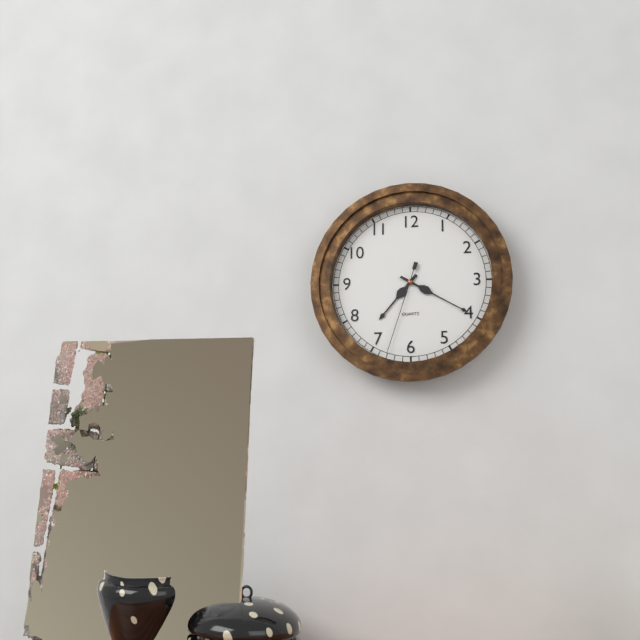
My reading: 7:20:33
